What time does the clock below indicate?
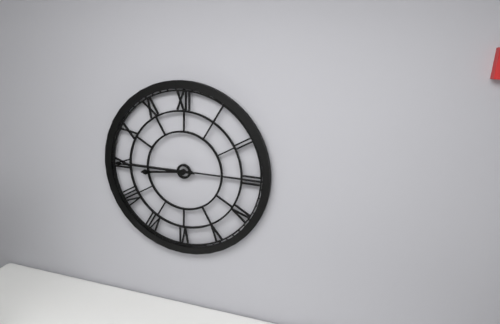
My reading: 8:45
